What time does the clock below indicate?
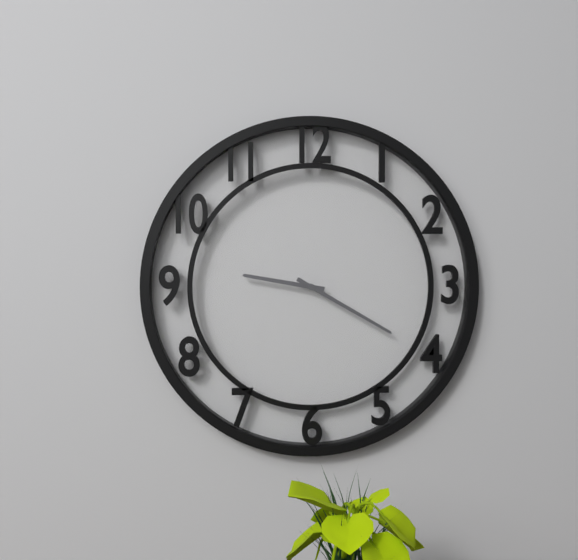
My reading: 9:20
